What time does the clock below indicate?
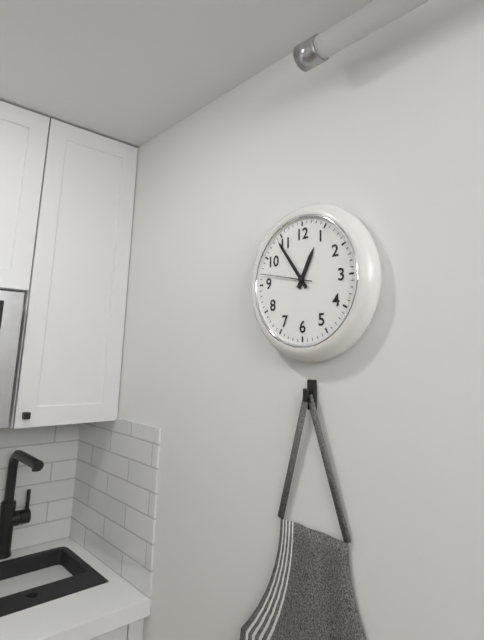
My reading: 12:54:47
